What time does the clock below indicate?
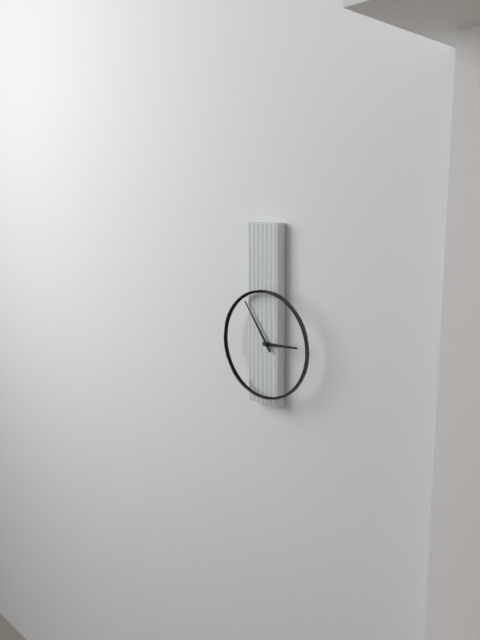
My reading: 2:54
